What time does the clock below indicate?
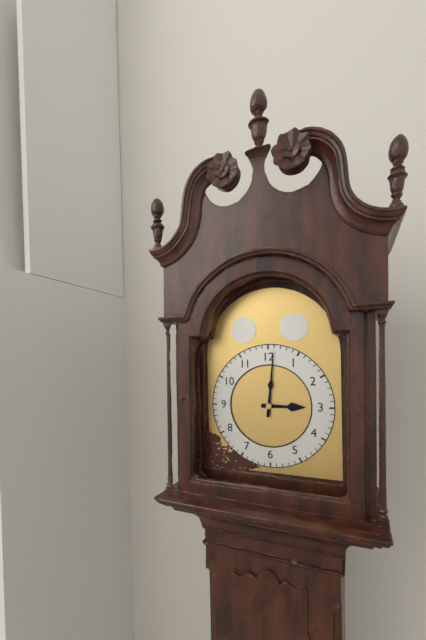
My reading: 3:01
